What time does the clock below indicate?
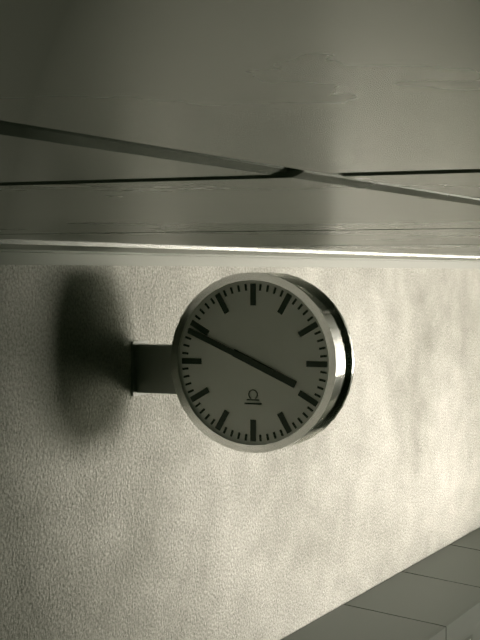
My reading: 3:49
